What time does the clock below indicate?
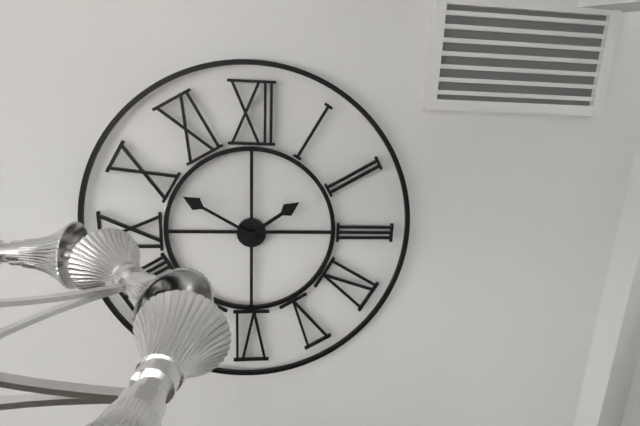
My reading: 1:50
